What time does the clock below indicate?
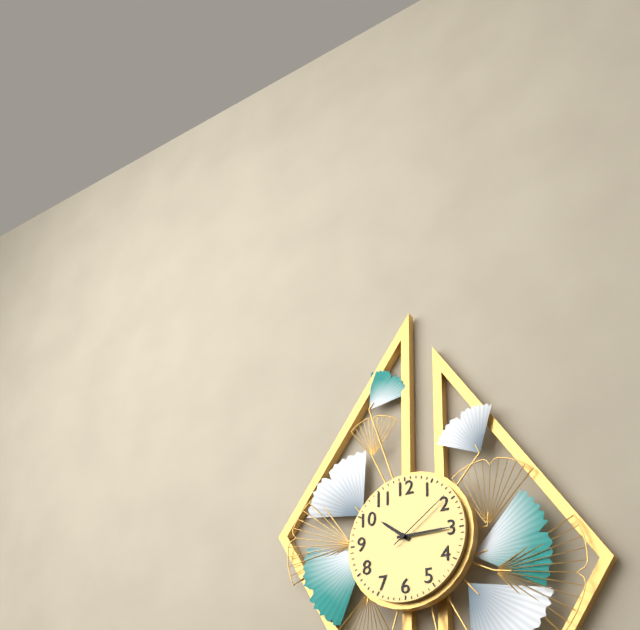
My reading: 10:15:09
